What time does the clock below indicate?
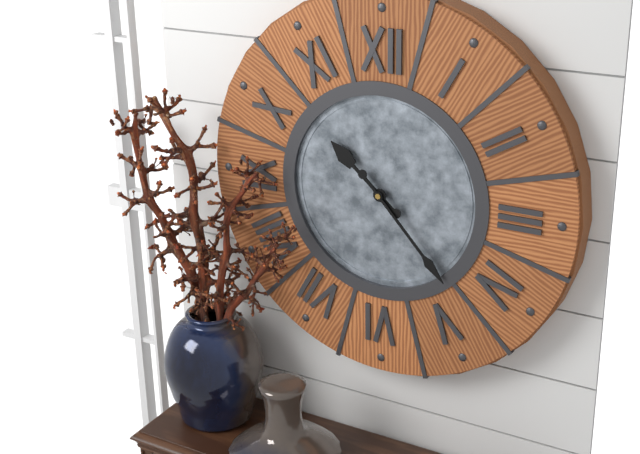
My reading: 10:23
